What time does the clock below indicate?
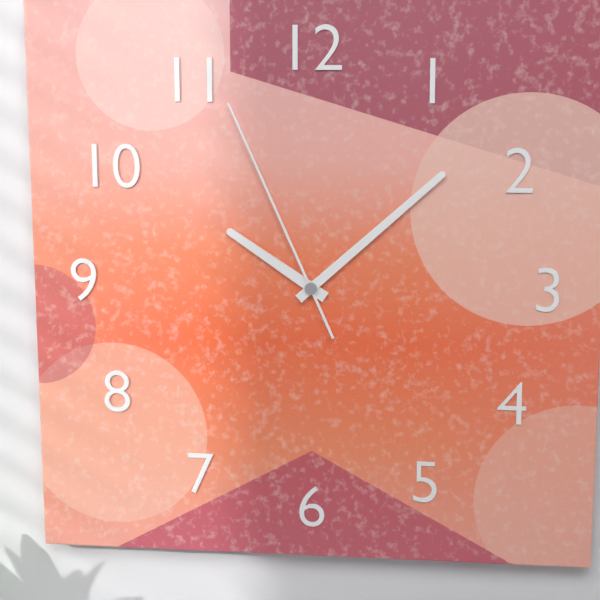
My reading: 10:08:56
